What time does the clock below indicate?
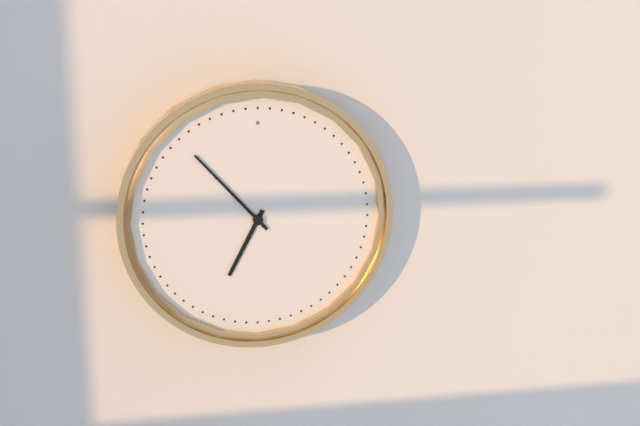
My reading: 6:53
